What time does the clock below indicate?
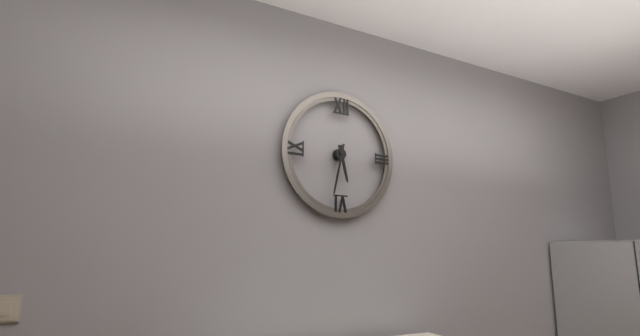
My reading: 5:32
